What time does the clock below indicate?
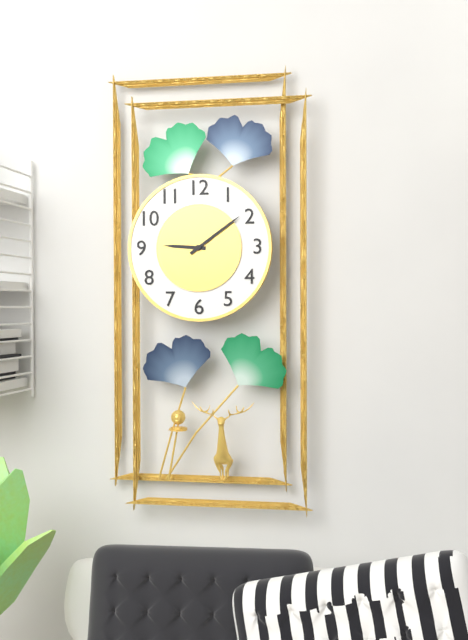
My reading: 9:09
